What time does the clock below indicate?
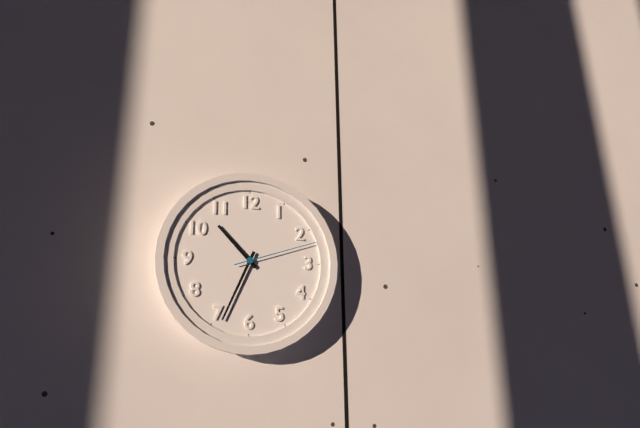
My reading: 10:34:12
